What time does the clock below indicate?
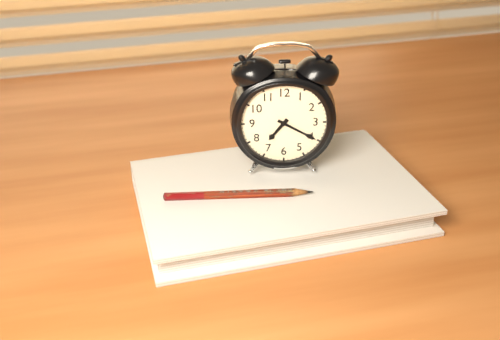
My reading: 7:20
